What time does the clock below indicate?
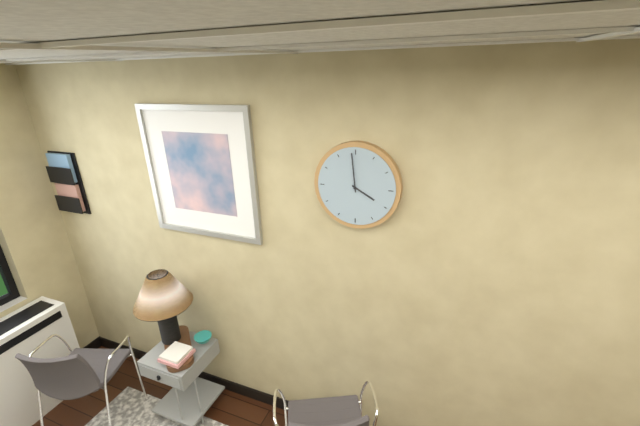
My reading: 3:59
